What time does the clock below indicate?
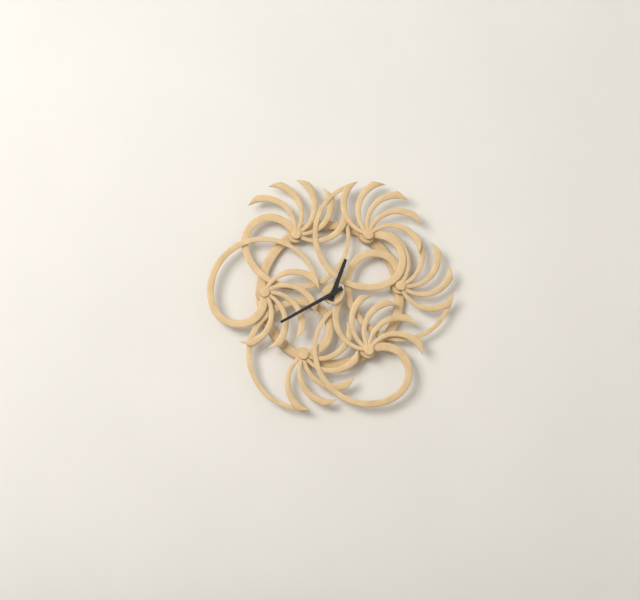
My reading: 12:40
